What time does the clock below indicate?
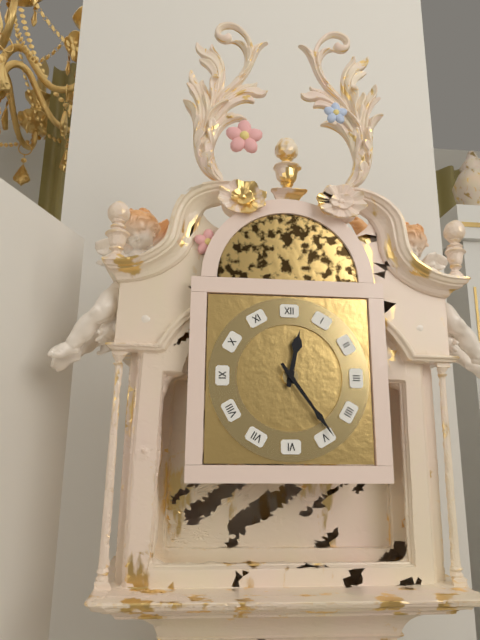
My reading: 12:24
